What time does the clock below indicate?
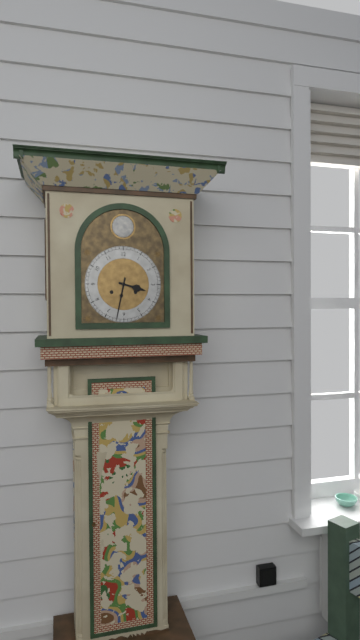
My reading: 3:32
